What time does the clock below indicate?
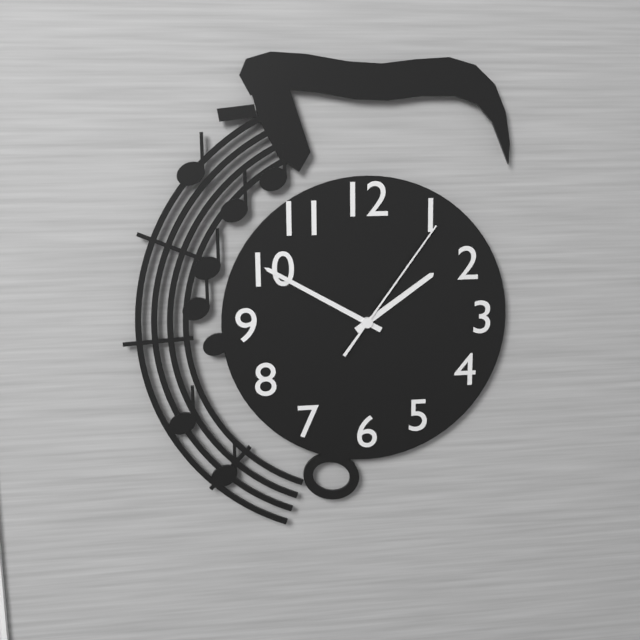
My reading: 1:50:06
